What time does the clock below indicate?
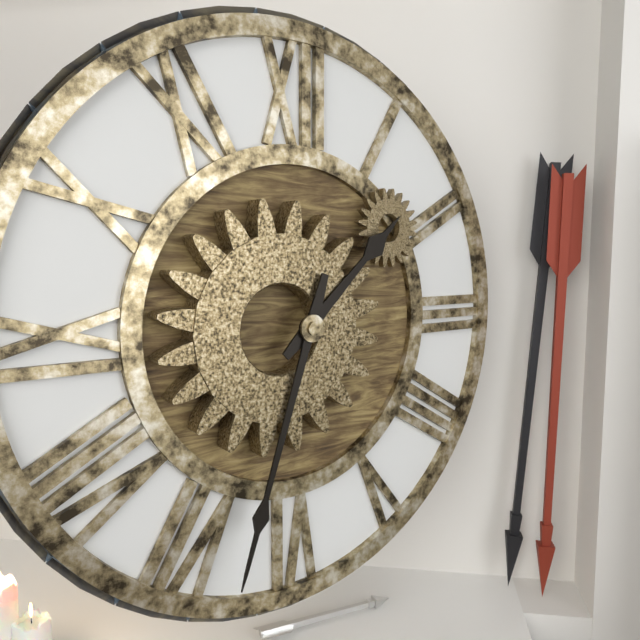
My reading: 1:33
